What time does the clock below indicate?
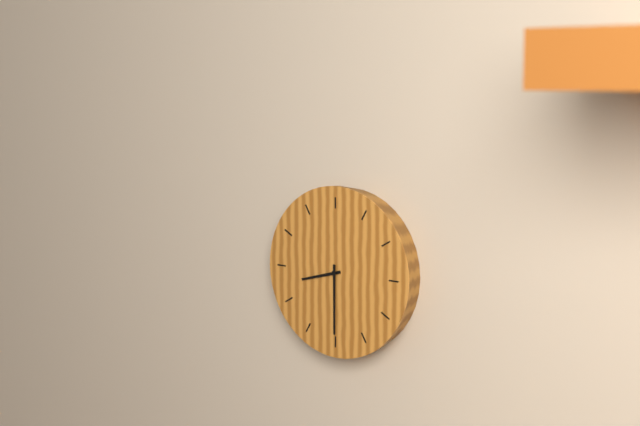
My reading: 8:30
